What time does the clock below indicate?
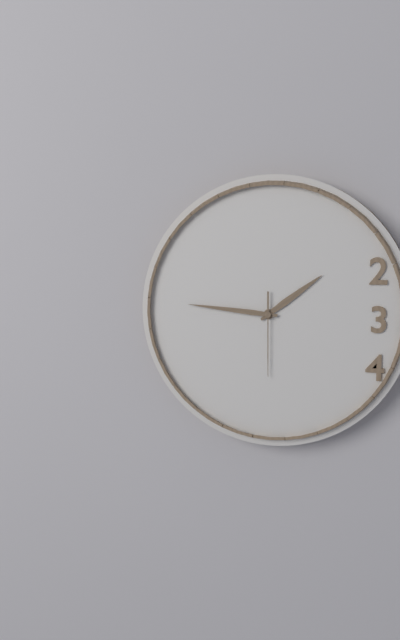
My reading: 1:46:30
